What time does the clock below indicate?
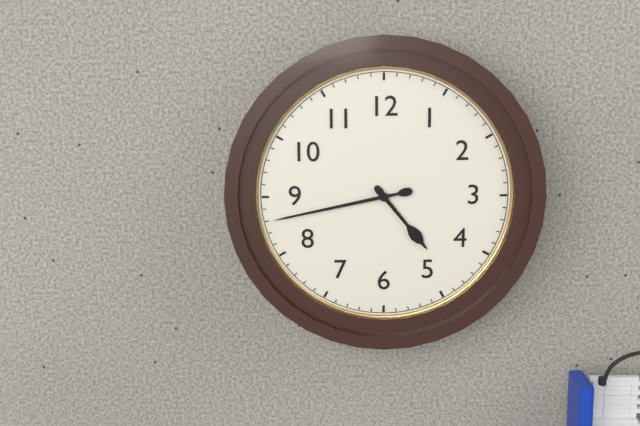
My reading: 4:43
